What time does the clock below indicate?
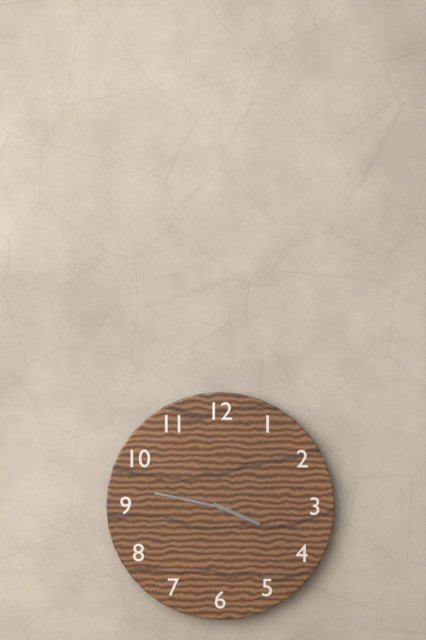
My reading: 3:47
